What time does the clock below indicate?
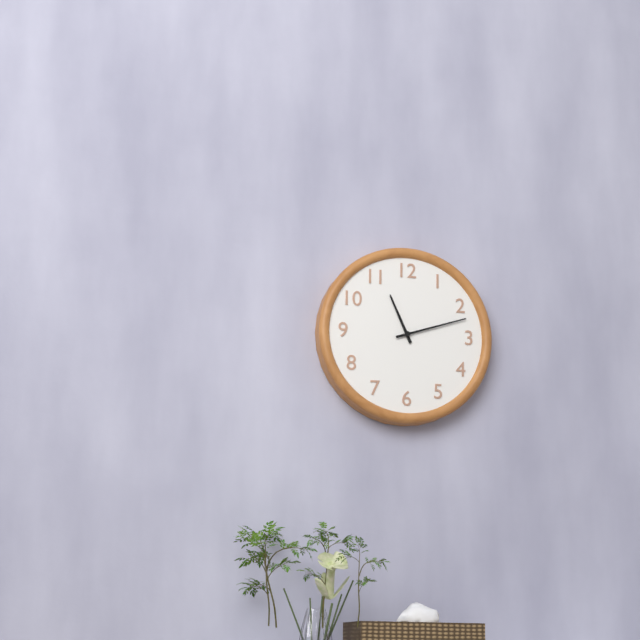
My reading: 11:12
